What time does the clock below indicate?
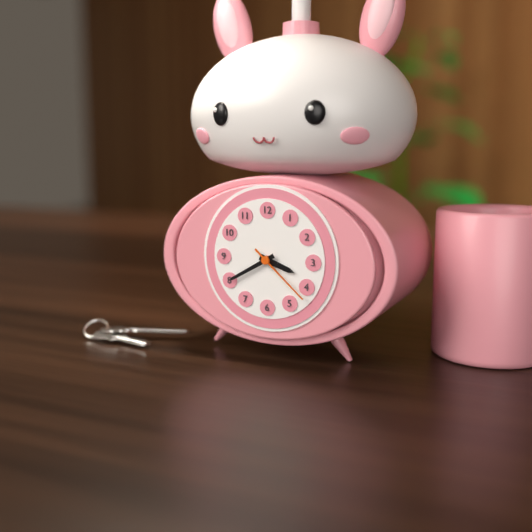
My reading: 3:40:22
